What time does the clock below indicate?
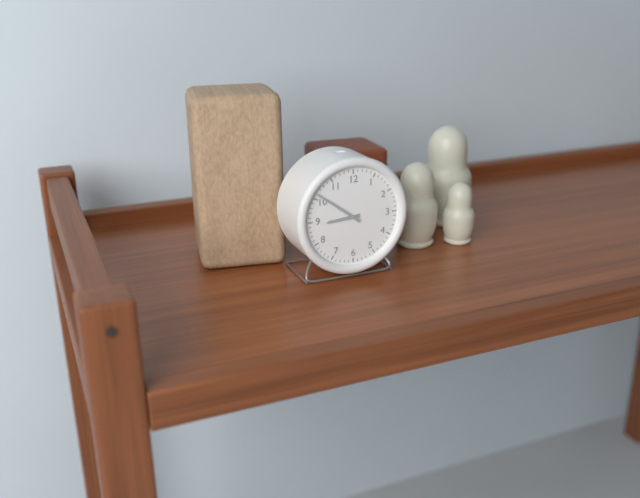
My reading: 8:51
